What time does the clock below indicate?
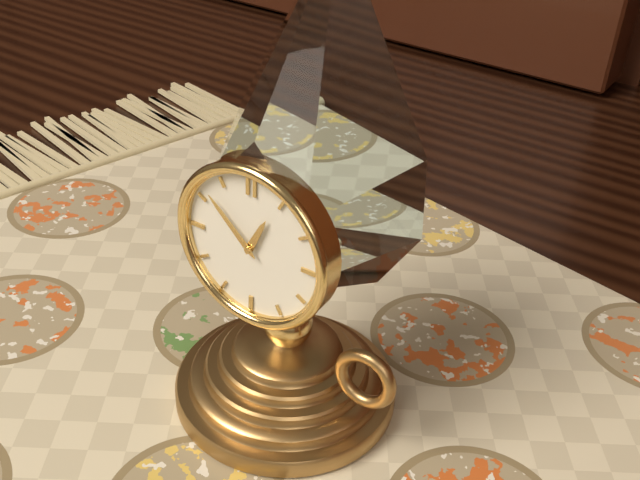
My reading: 12:52
